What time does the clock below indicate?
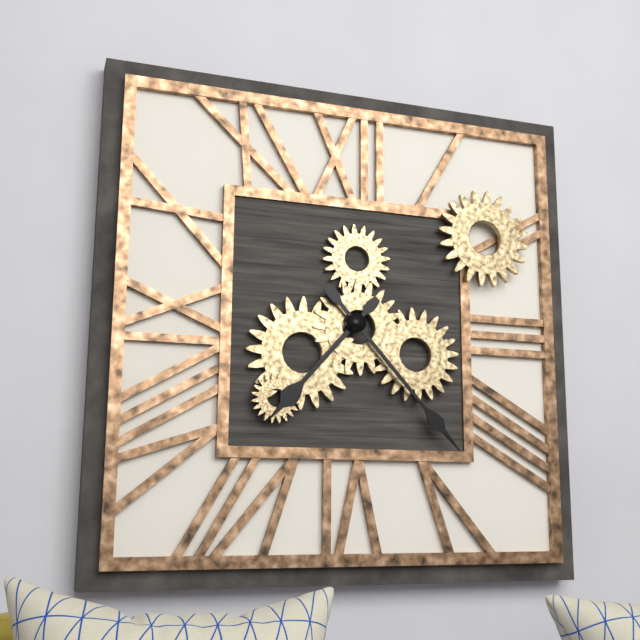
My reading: 7:23
